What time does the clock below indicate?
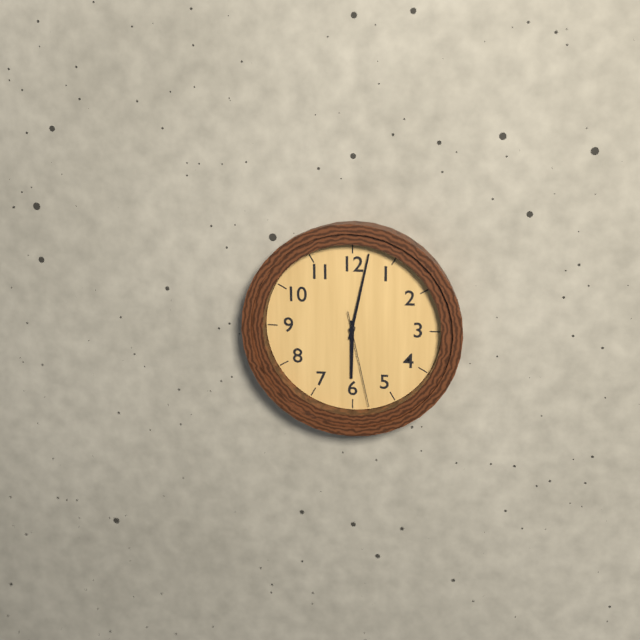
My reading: 6:02:28
